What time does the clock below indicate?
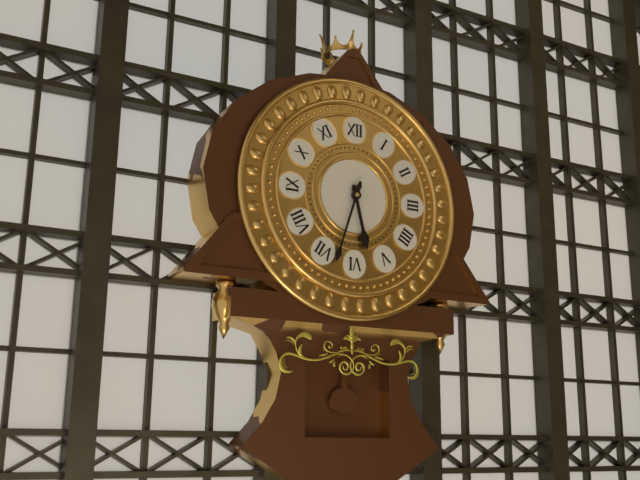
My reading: 5:33
